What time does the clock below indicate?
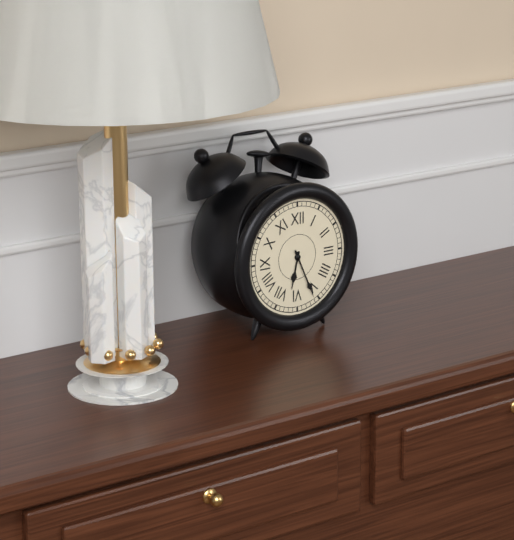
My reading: 6:26
